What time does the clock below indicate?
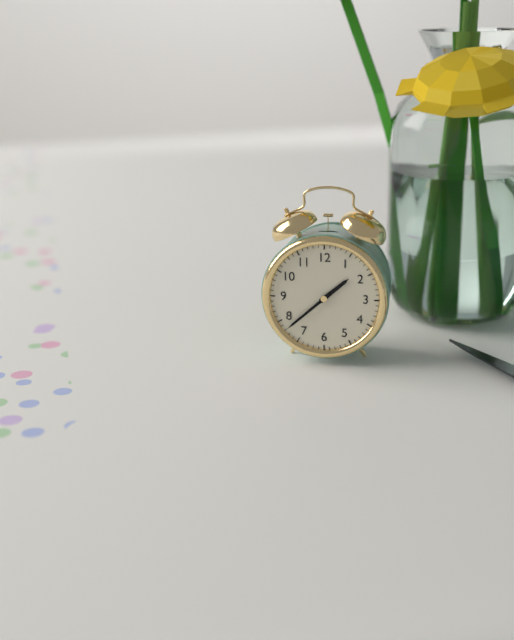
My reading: 1:38
